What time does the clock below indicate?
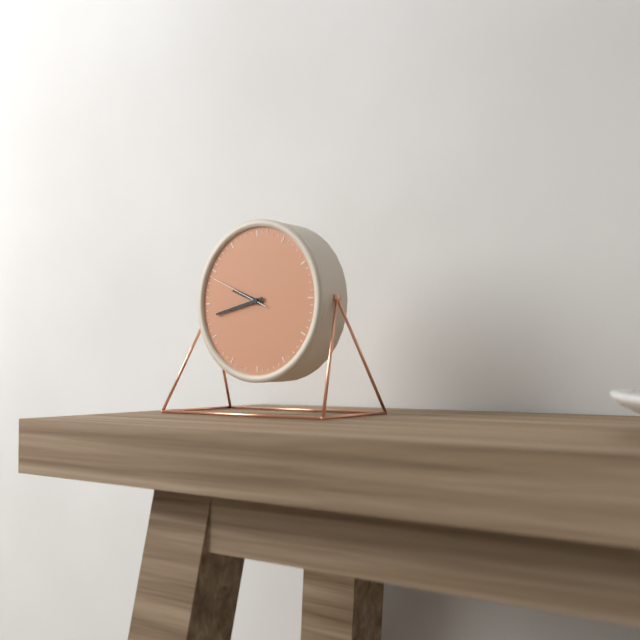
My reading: 9:43:49
